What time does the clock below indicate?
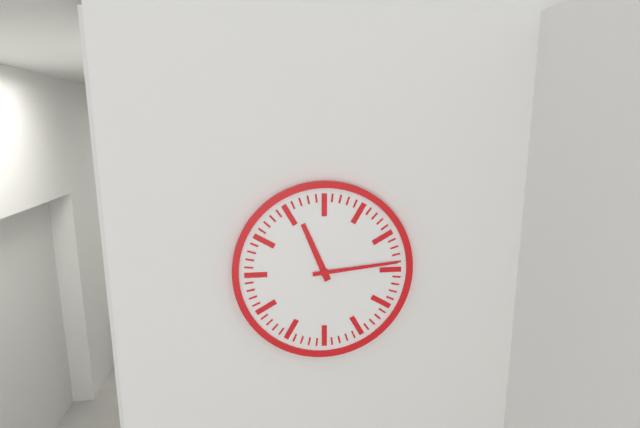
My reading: 11:14
